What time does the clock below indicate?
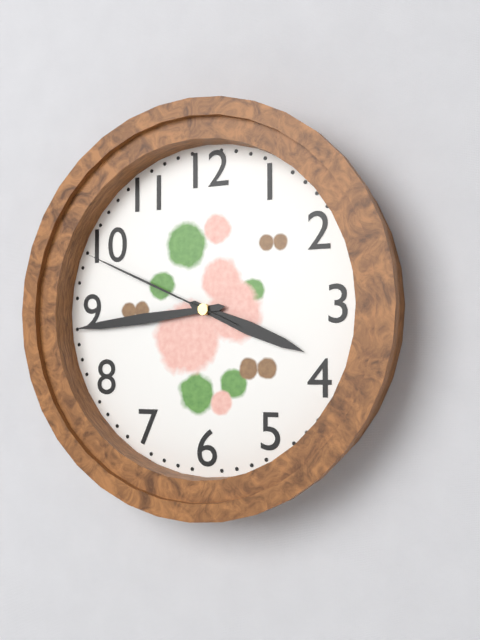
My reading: 3:44:49
